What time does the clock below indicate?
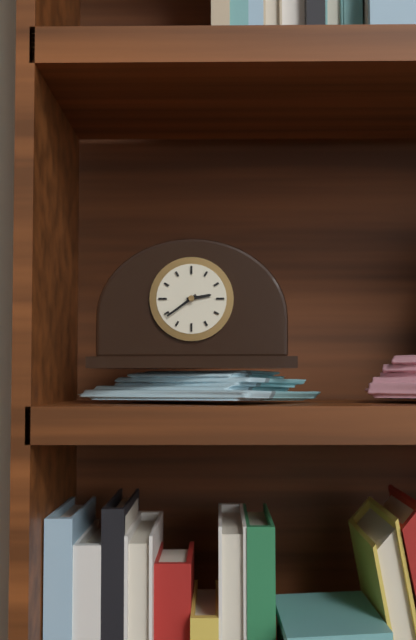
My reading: 2:39
